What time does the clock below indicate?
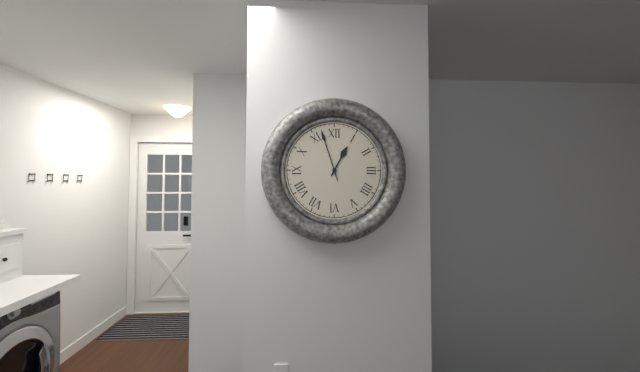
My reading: 12:57
